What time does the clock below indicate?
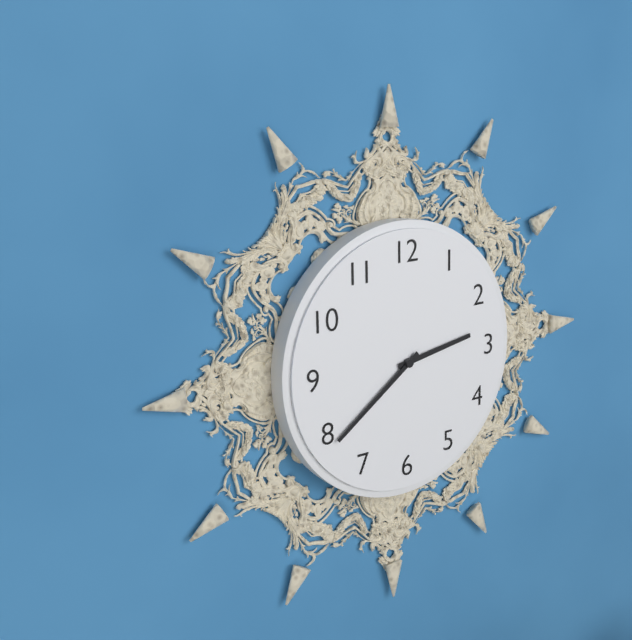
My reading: 2:39
